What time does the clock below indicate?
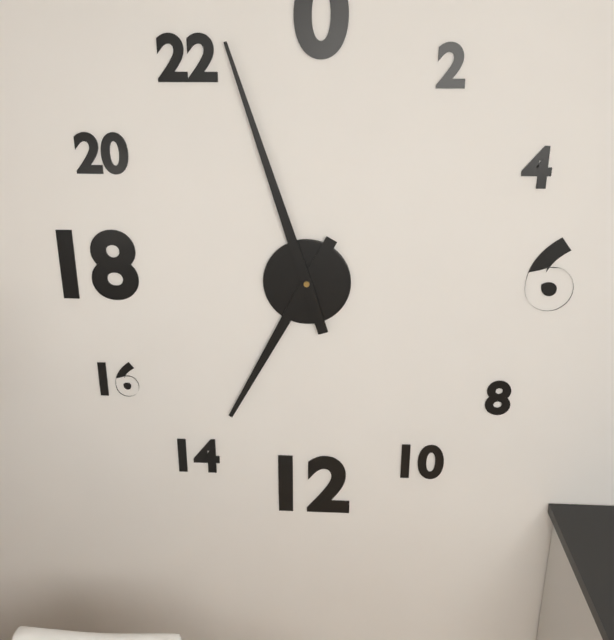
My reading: 6:57
